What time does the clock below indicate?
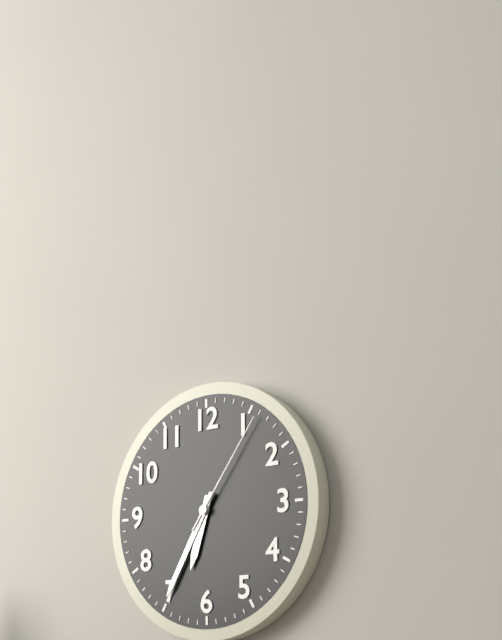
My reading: 6:35:06
